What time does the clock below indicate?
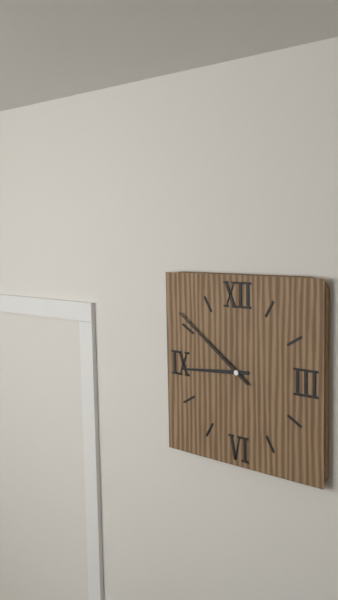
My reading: 8:51
